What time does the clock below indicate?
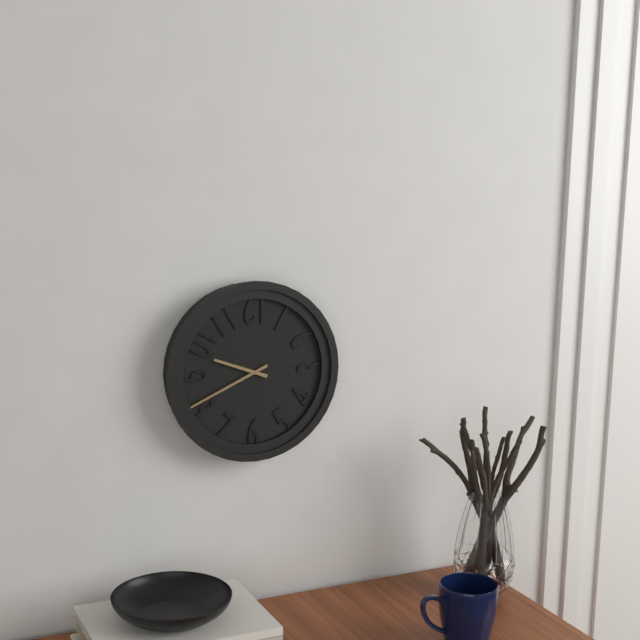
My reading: 9:41
